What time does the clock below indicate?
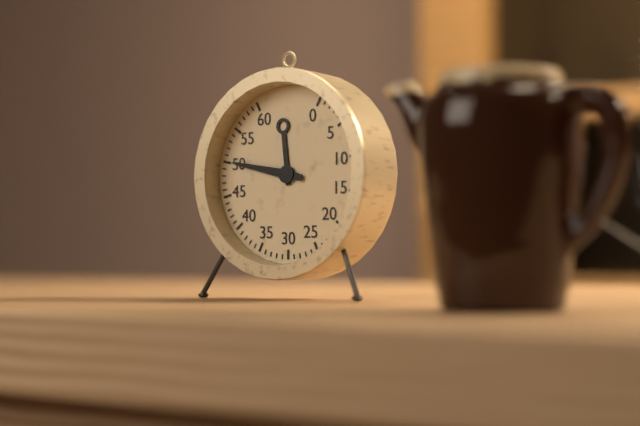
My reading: 11:47
